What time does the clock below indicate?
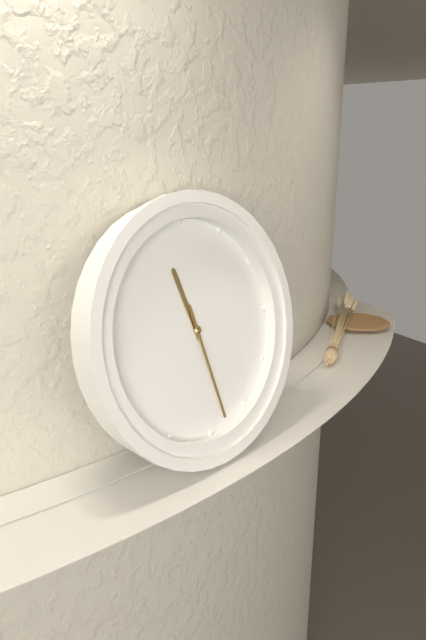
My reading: 11:28
